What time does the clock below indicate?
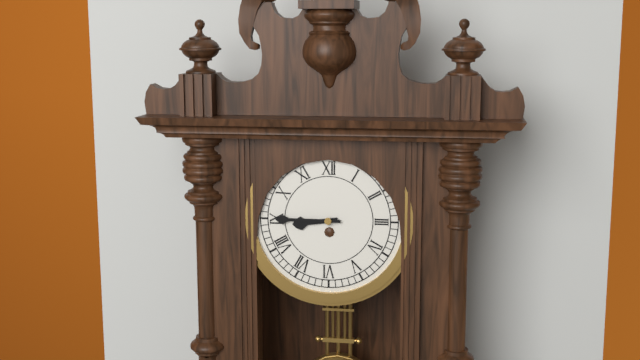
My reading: 8:45
